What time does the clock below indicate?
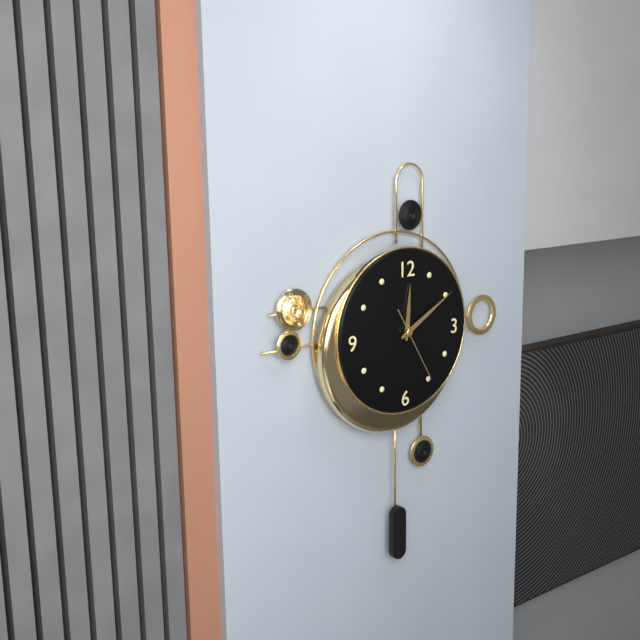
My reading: 12:10:25
